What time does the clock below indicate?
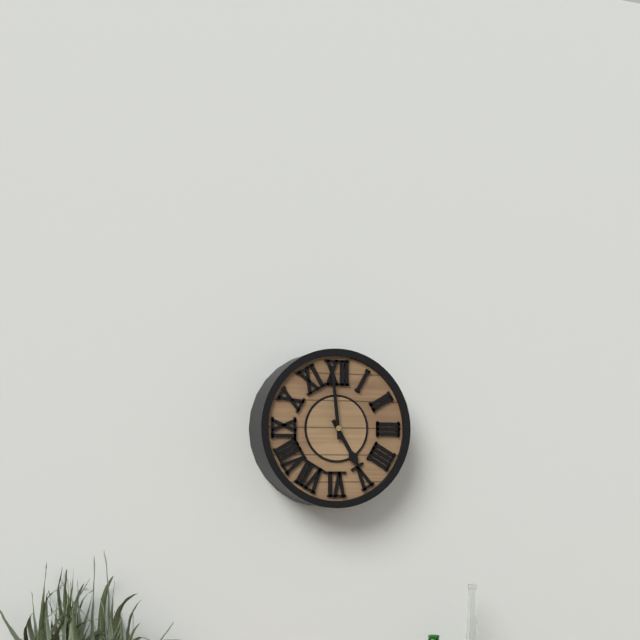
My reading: 4:59
